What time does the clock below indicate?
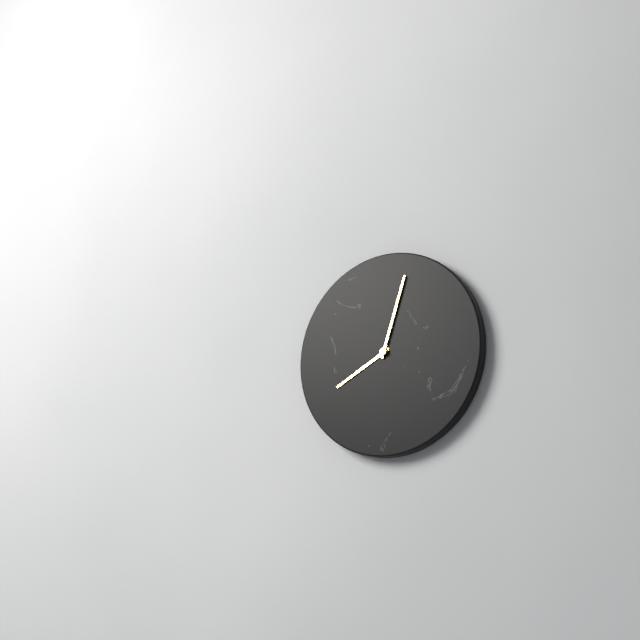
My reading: 8:03
